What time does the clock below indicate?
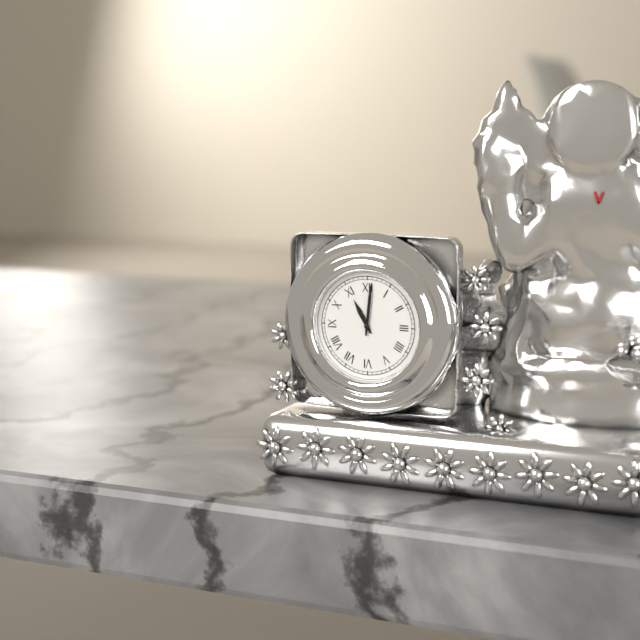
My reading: 11:01
